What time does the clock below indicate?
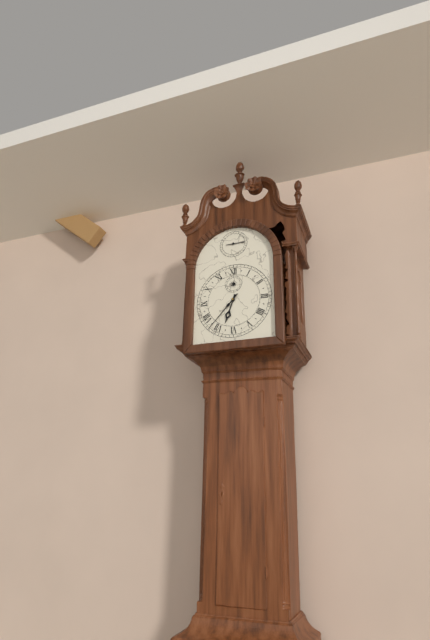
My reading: 6:37
